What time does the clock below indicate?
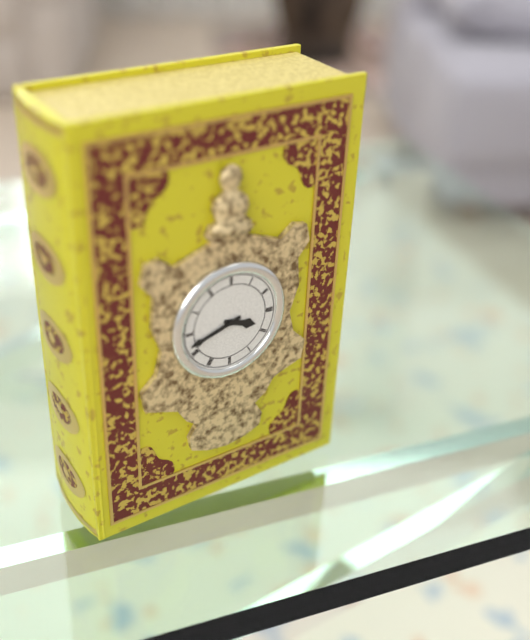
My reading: 3:42
